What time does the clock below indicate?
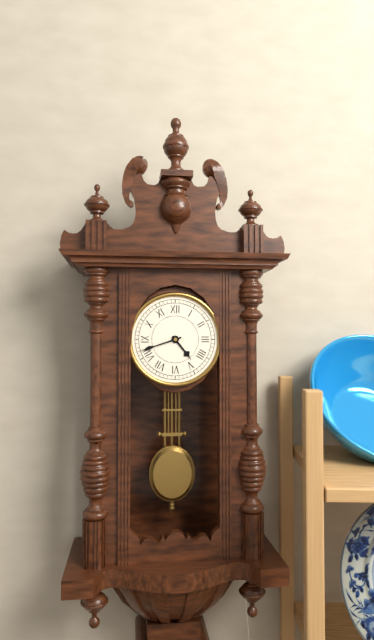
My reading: 4:42
